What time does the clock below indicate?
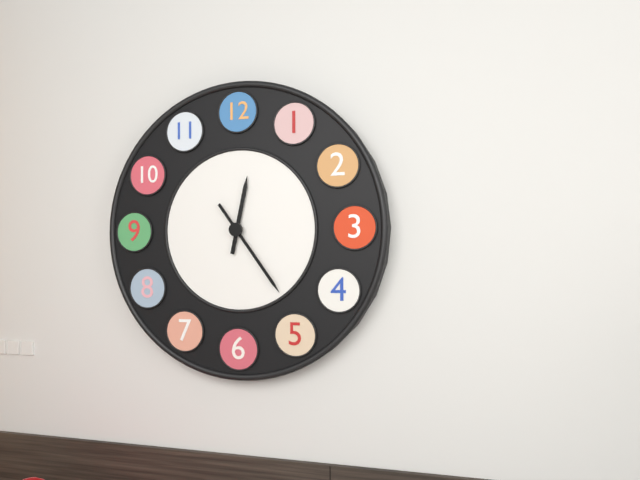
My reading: 12:24
